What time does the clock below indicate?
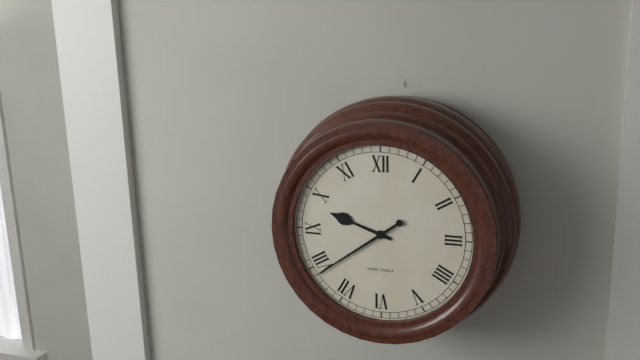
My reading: 9:39
